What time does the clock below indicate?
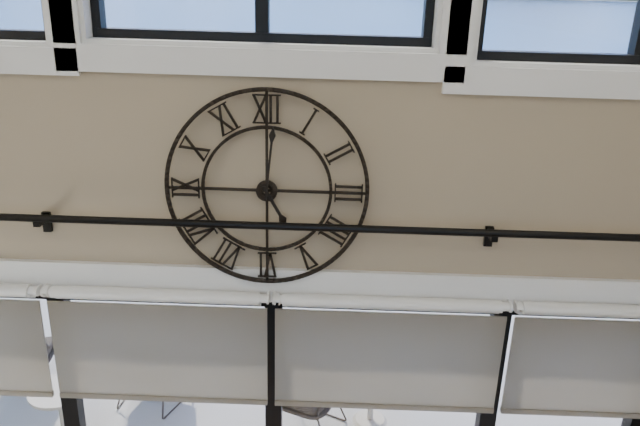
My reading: 5:01
